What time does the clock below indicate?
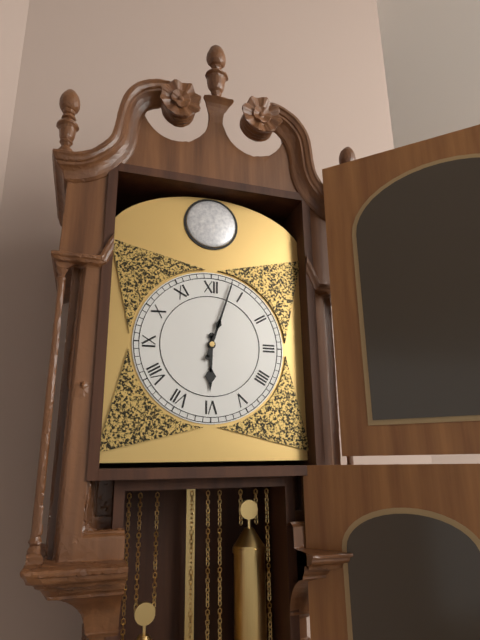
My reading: 6:03
